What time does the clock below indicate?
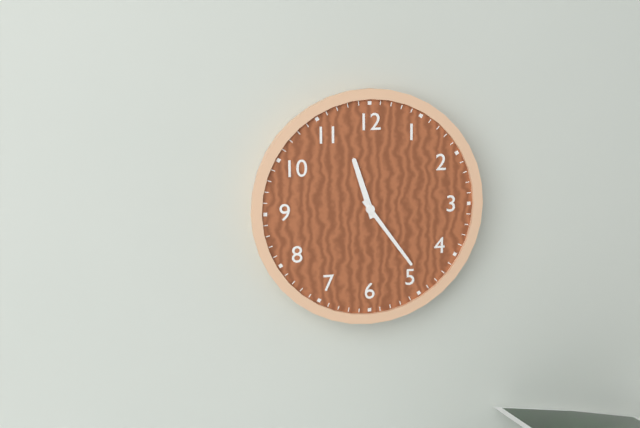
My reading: 11:24
